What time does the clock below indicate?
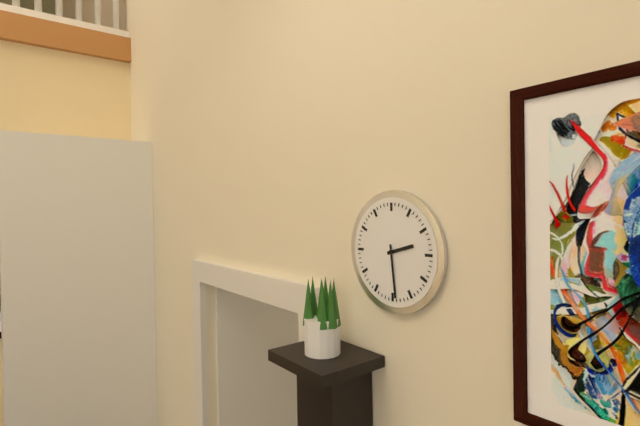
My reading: 2:29
